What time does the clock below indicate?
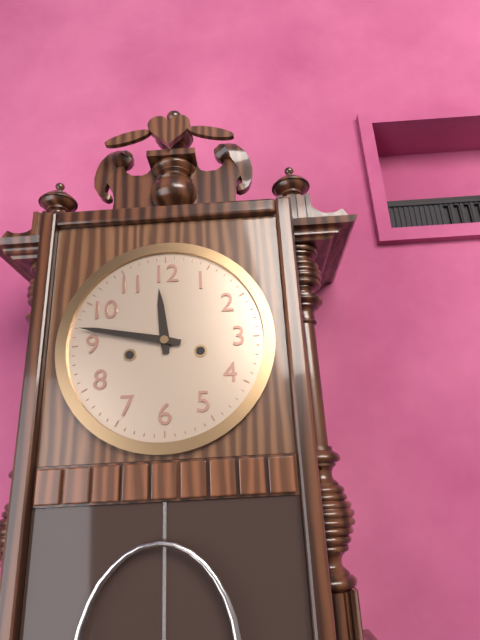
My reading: 11:47
